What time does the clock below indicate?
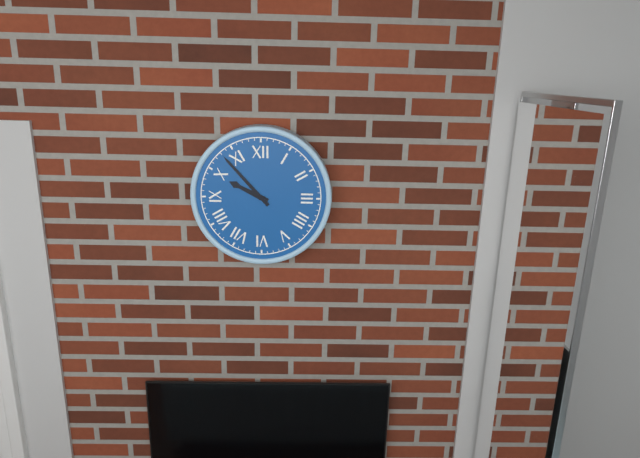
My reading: 9:53
